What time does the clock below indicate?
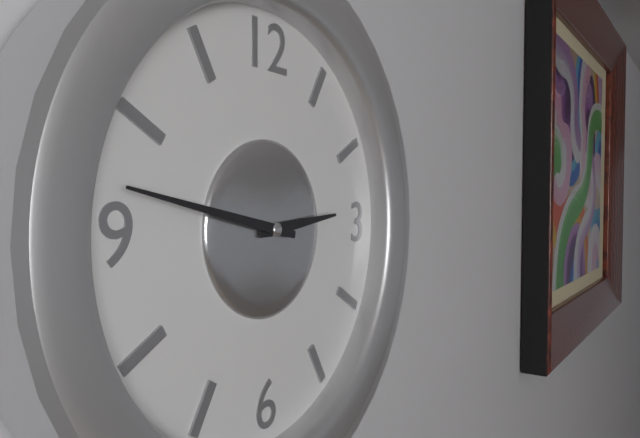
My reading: 2:47
